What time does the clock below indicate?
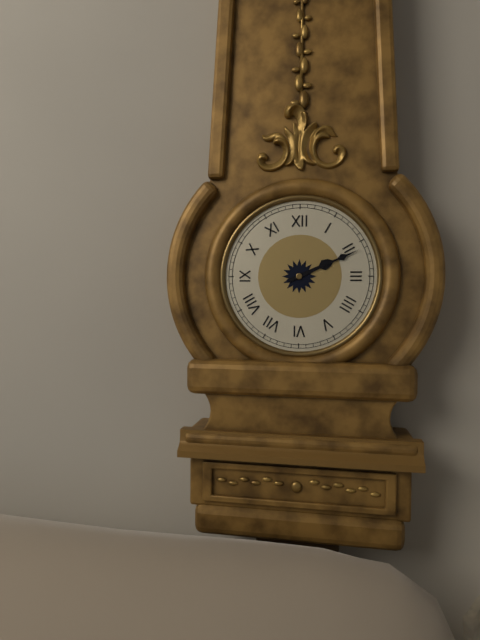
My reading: 2:11
